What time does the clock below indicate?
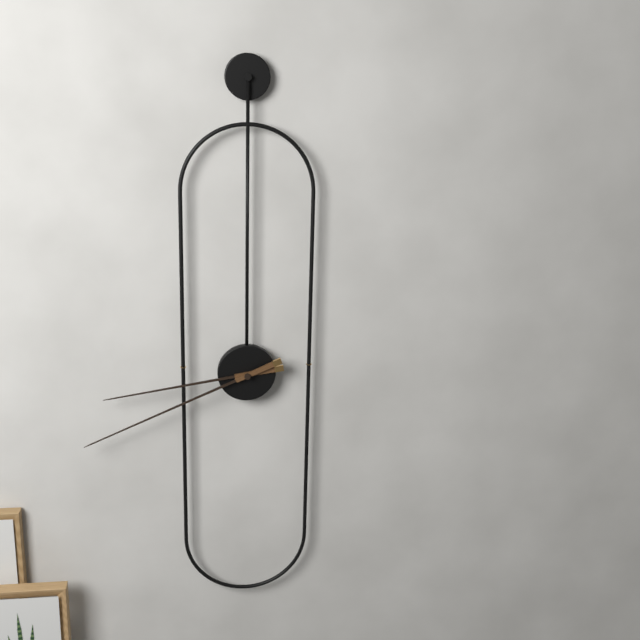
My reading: 8:41
